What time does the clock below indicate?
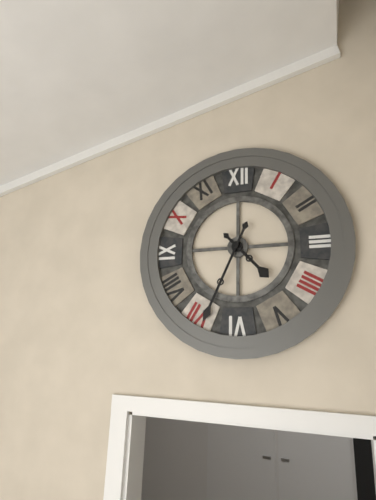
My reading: 4:34
